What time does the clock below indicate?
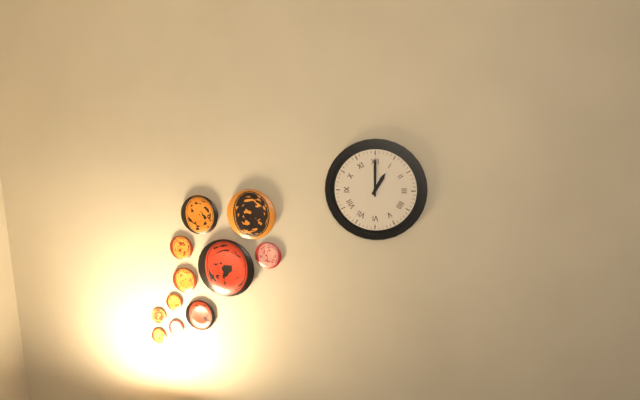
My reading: 1:00
